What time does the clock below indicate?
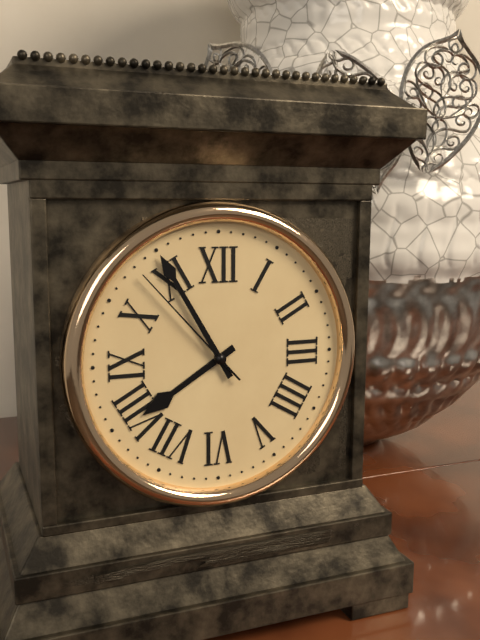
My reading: 7:55:53
